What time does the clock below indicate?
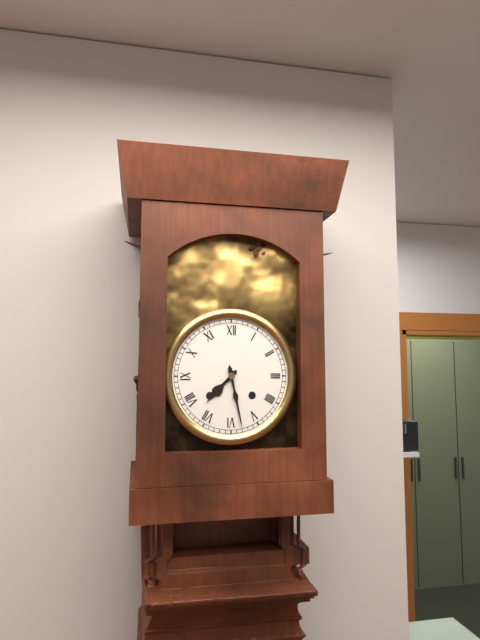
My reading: 7:28
